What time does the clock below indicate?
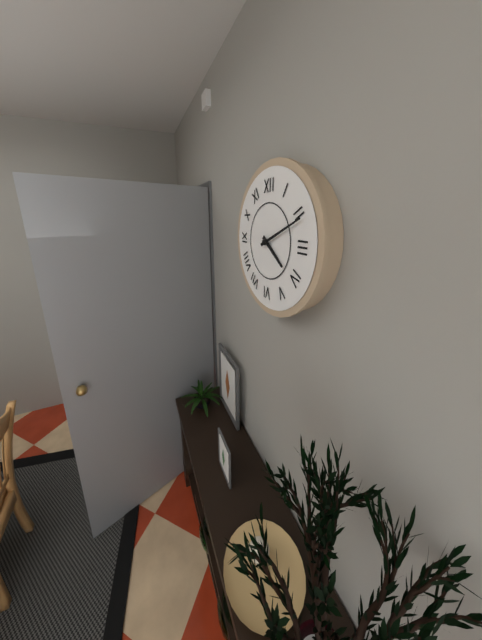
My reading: 4:11
